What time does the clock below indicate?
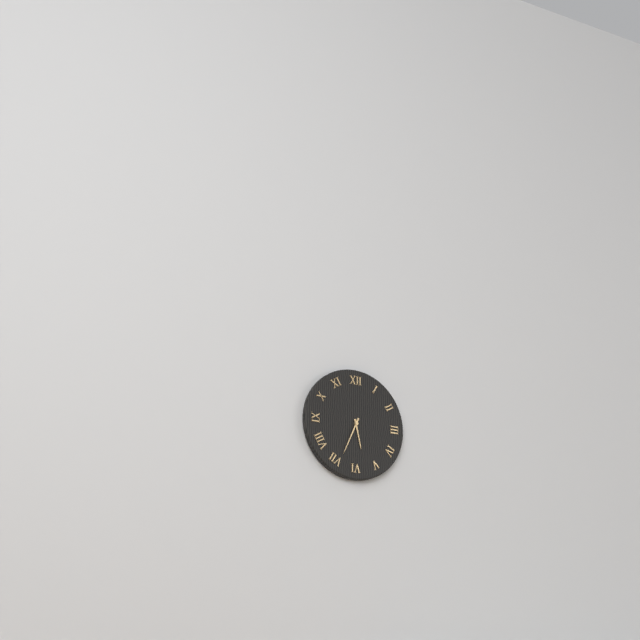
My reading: 5:34
